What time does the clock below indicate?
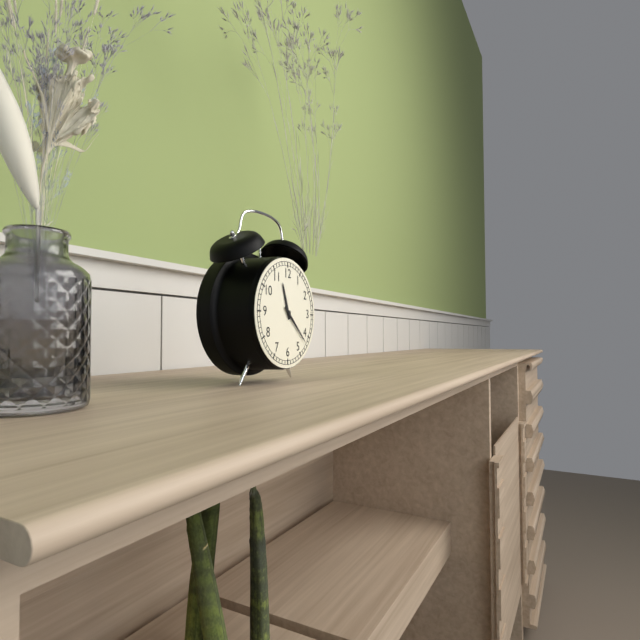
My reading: 11:22
